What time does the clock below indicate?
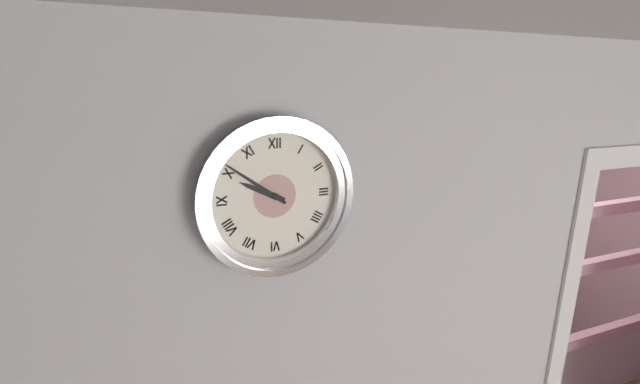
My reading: 9:51
